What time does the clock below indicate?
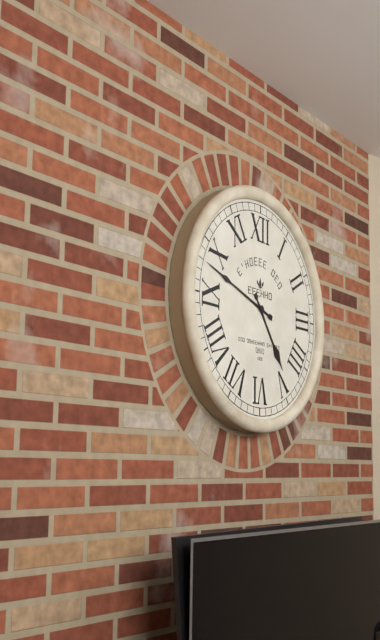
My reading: 4:48
